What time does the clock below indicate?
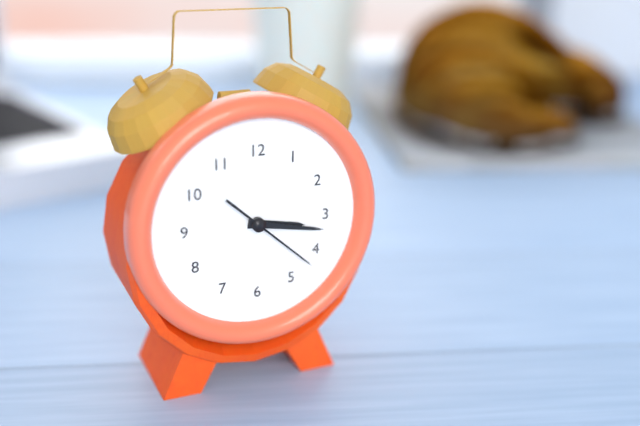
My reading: 3:17:22
